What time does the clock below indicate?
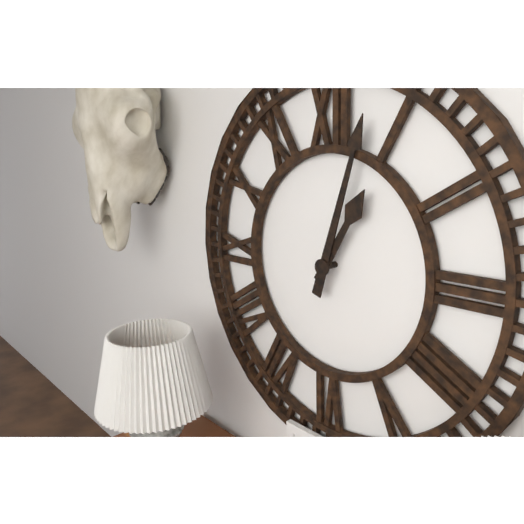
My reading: 1:03
